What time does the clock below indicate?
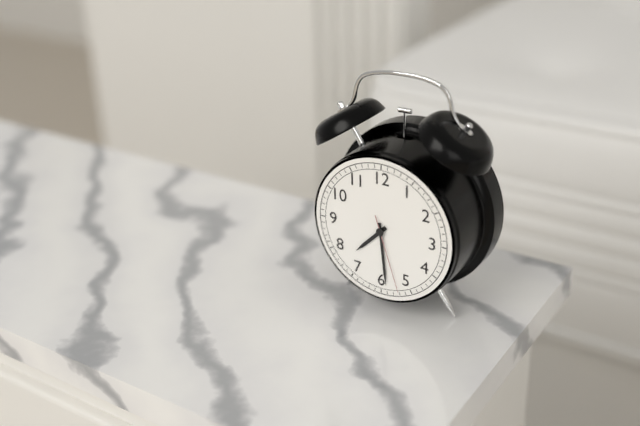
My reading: 7:29:27
